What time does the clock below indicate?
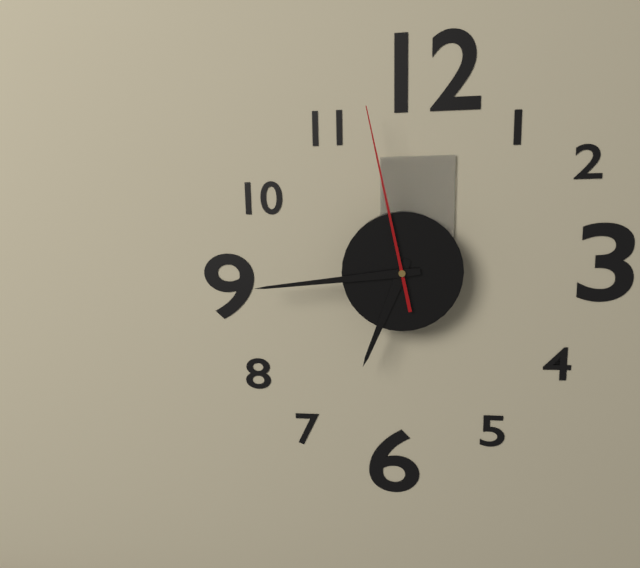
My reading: 6:44:58
